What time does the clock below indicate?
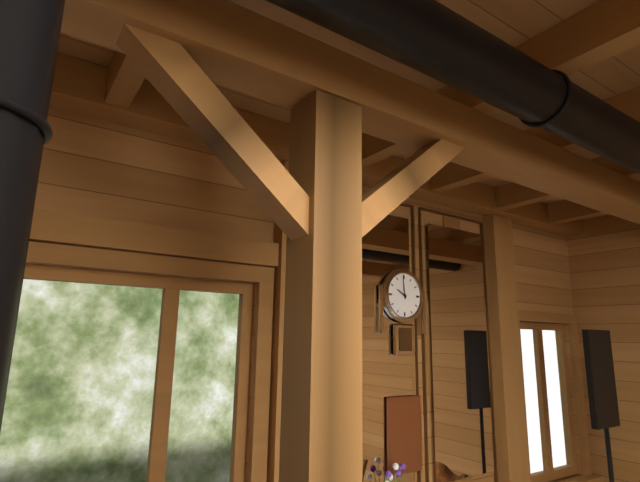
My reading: 9:59
